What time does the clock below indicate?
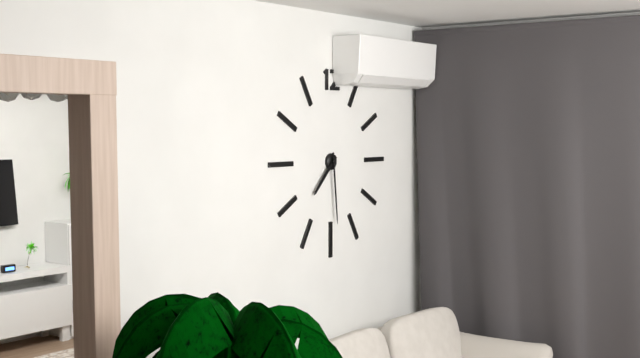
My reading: 7:29
